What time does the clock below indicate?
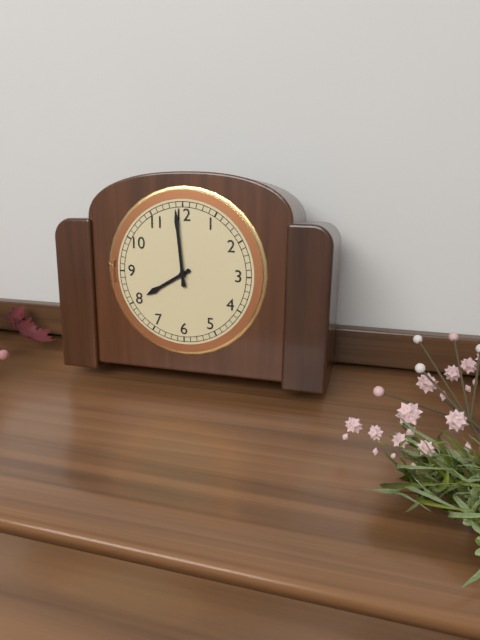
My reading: 7:59
